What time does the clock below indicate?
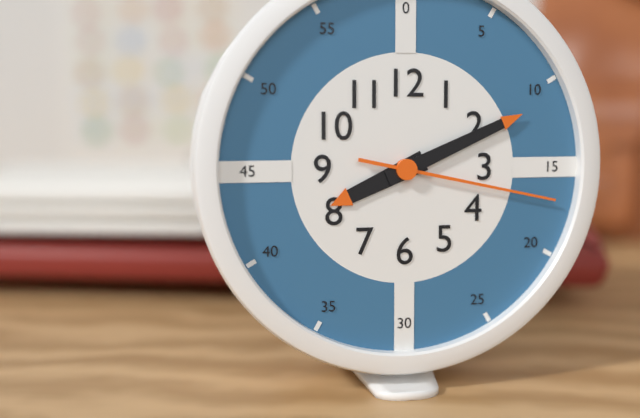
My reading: 8:11:17
